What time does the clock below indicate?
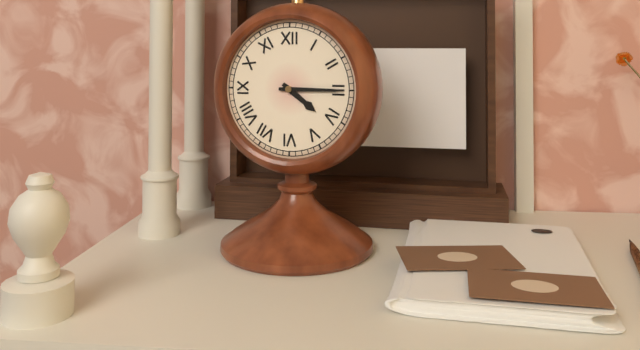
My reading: 4:15
